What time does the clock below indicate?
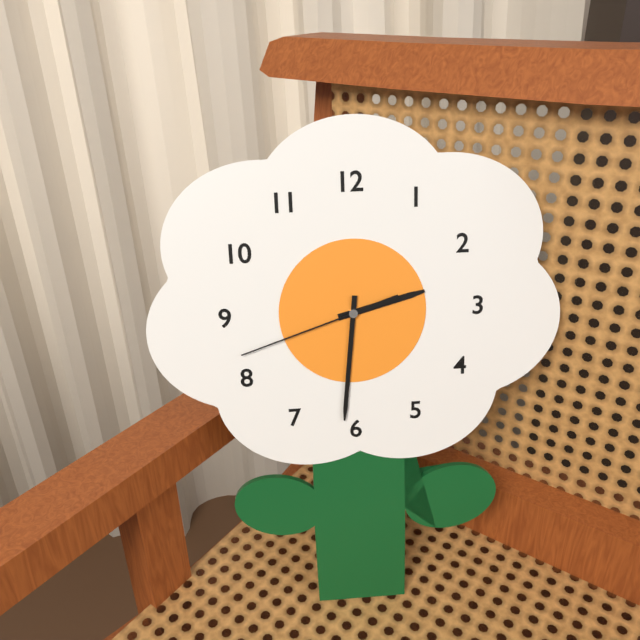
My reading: 2:31:42
